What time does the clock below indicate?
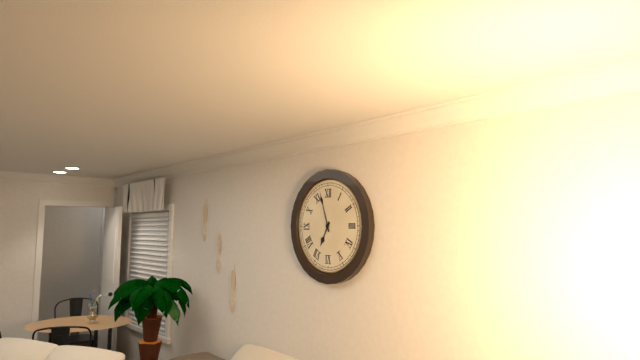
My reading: 6:57
